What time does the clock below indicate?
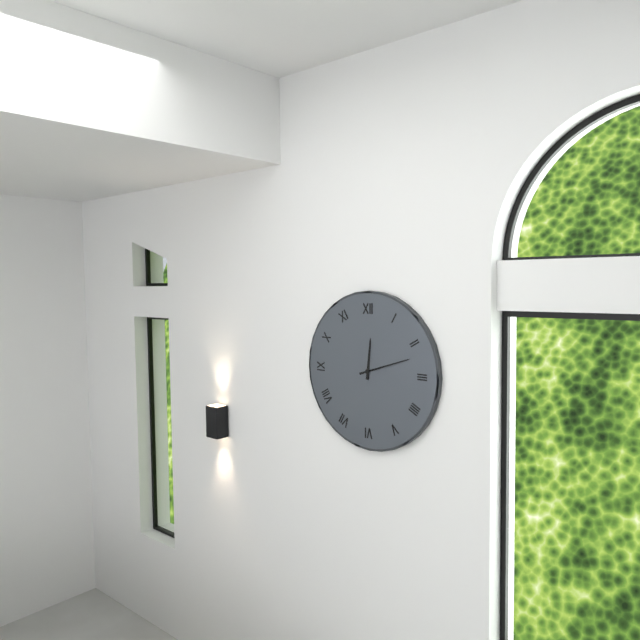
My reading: 12:12
